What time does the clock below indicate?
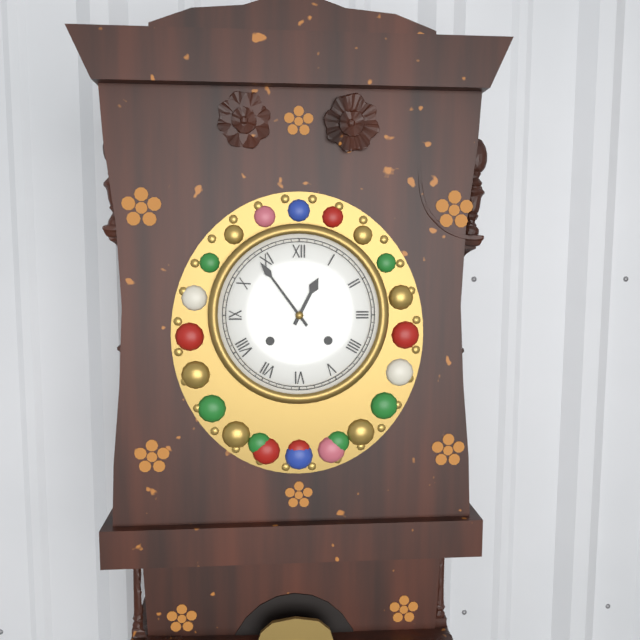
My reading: 12:54
